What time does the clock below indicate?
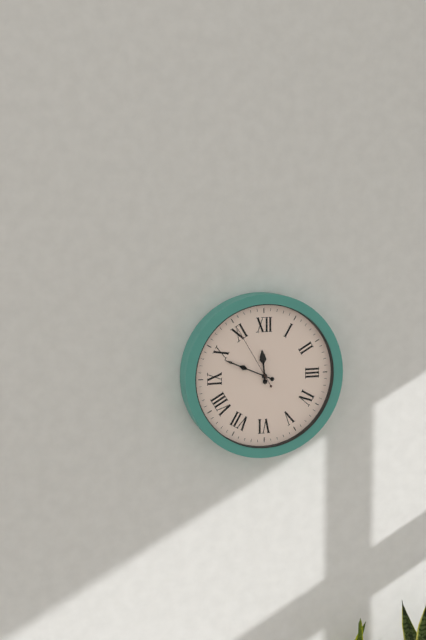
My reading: 11:49:55
